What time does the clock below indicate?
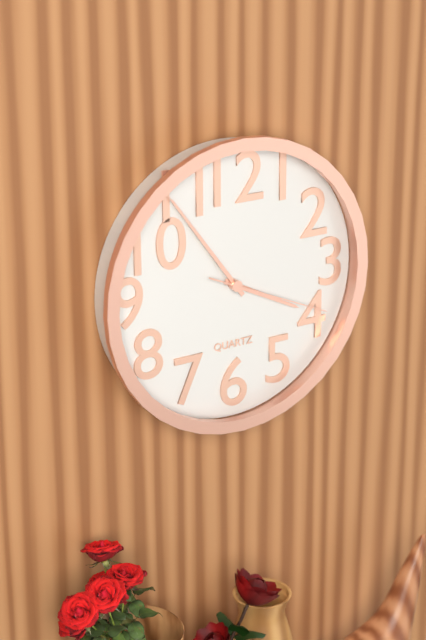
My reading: 3:54:19
